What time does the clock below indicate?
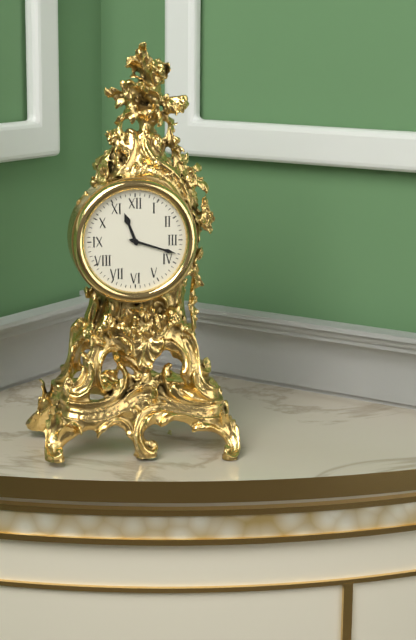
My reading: 11:18
